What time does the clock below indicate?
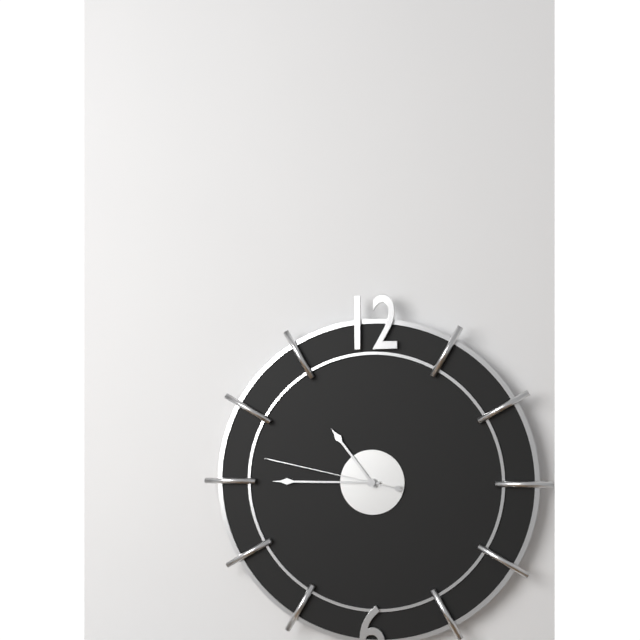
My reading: 10:45:47
